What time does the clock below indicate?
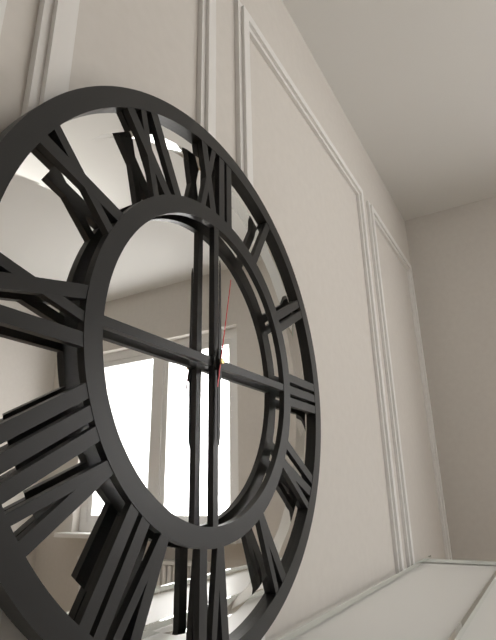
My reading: 6:00:02
